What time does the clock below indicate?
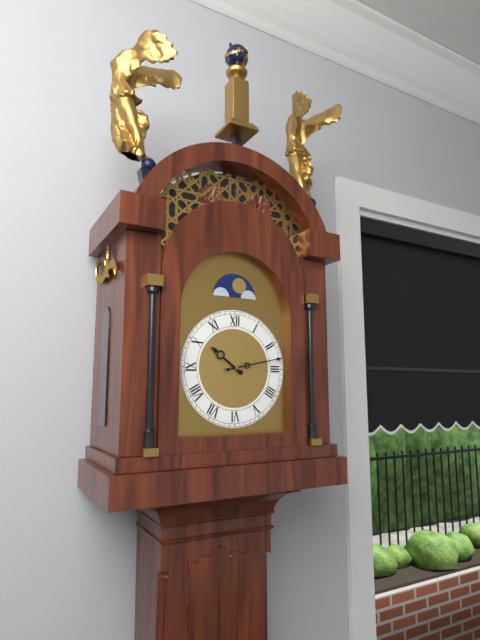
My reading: 10:13
